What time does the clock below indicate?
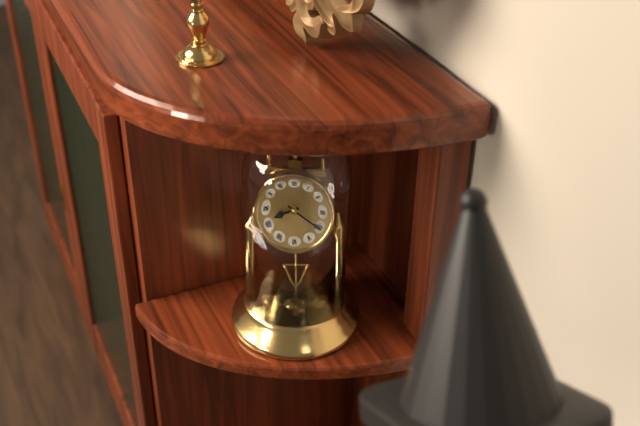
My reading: 8:20
